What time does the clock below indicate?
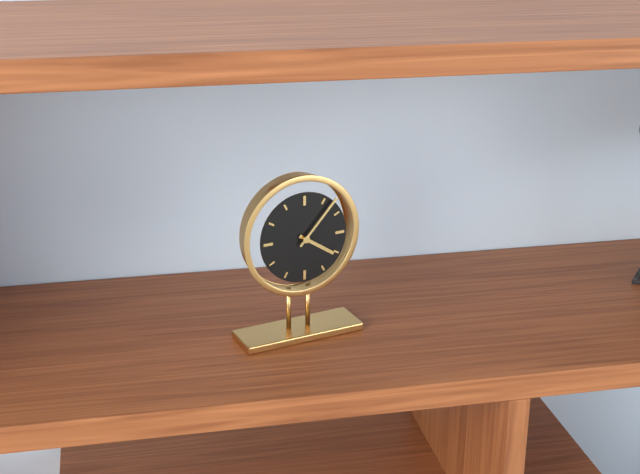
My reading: 4:07
